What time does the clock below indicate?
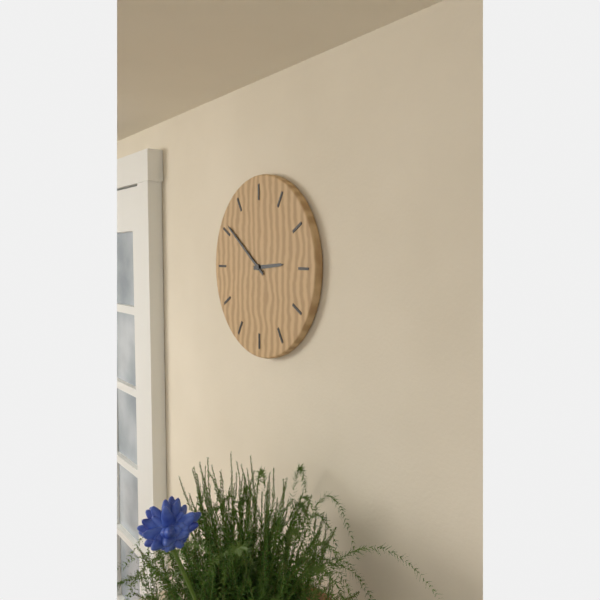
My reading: 2:51
